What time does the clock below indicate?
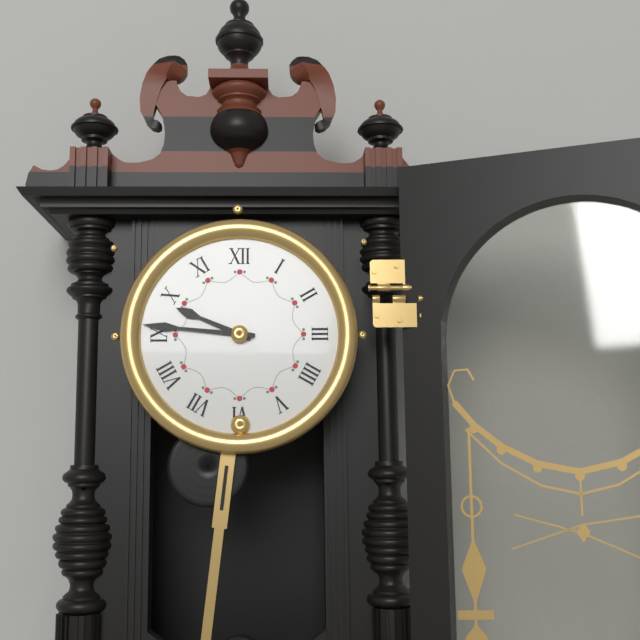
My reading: 9:46
